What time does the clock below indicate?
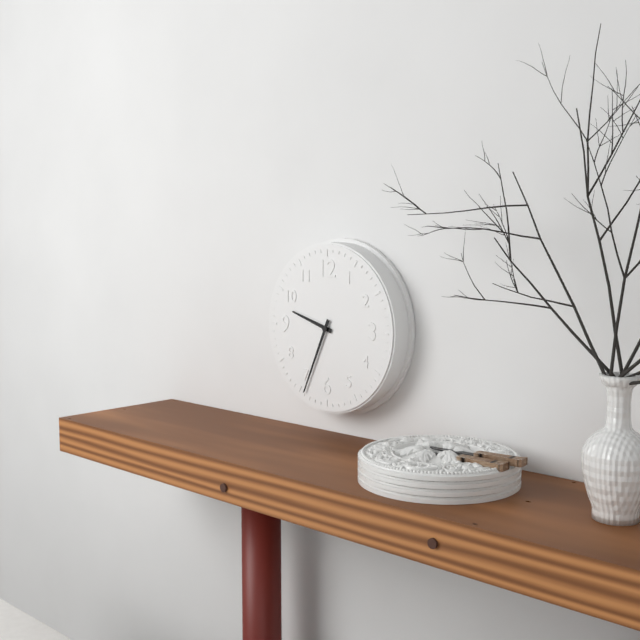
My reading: 9:34
